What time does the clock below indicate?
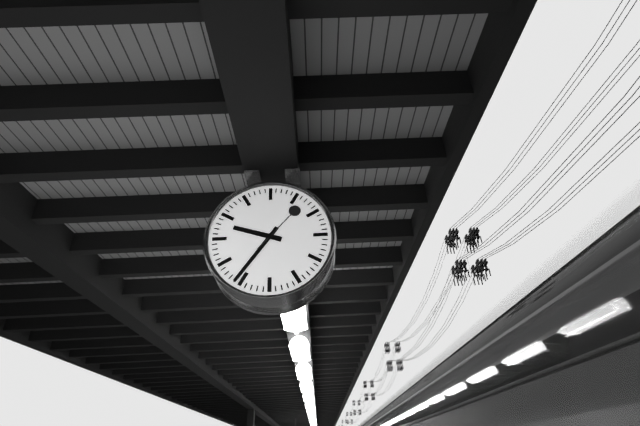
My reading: 9:36:07
